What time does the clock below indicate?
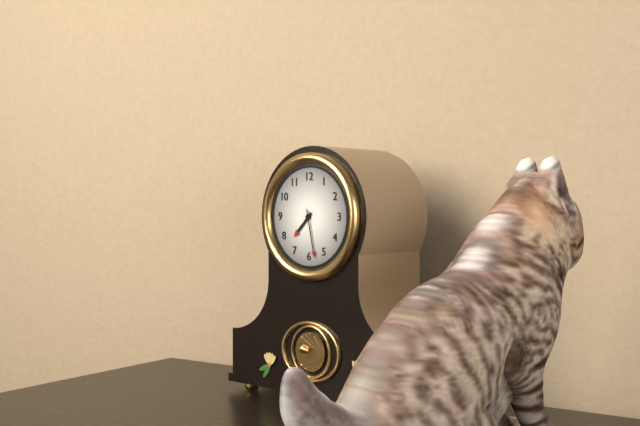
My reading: 7:28
